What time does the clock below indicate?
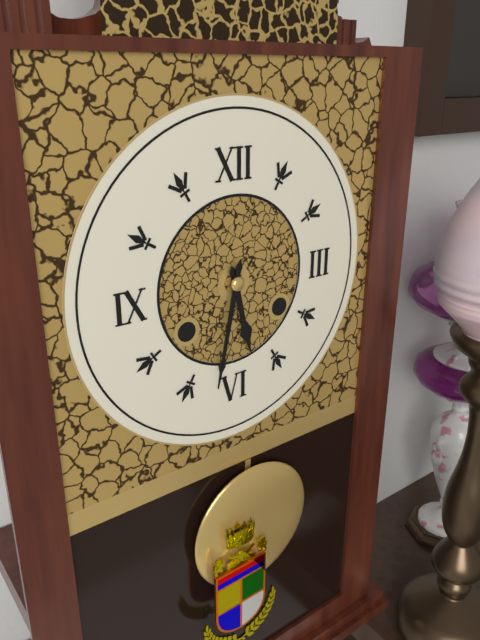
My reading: 5:32
